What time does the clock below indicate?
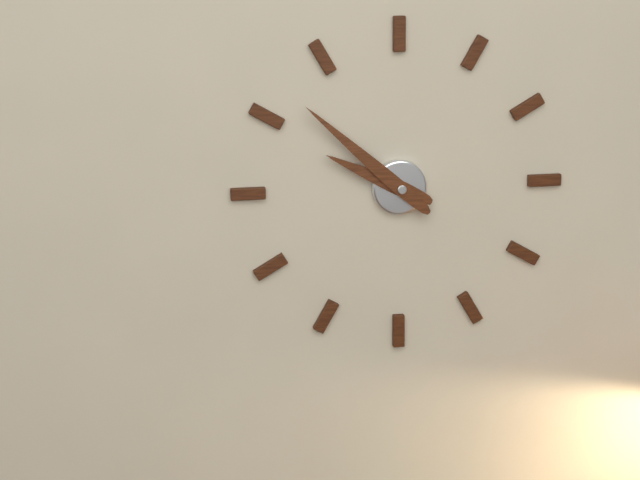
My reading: 9:52
